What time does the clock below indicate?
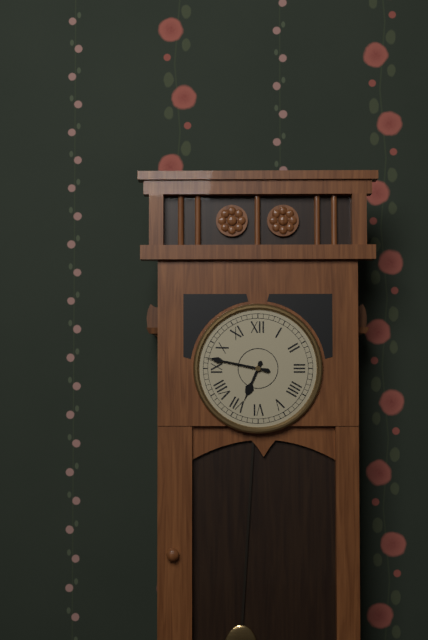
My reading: 6:47
